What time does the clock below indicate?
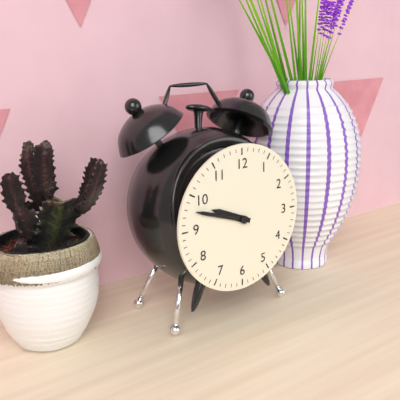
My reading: 9:48
